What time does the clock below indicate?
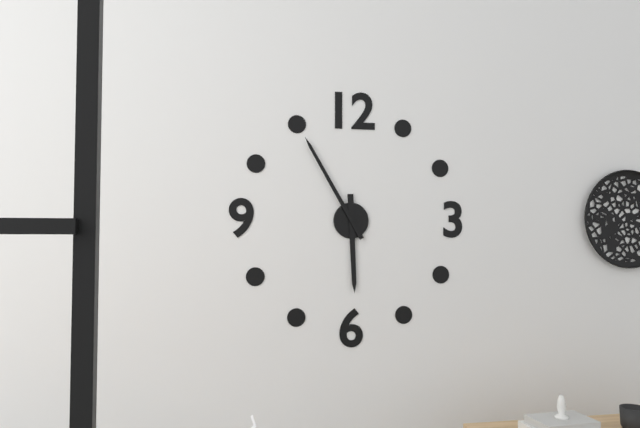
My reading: 5:55
